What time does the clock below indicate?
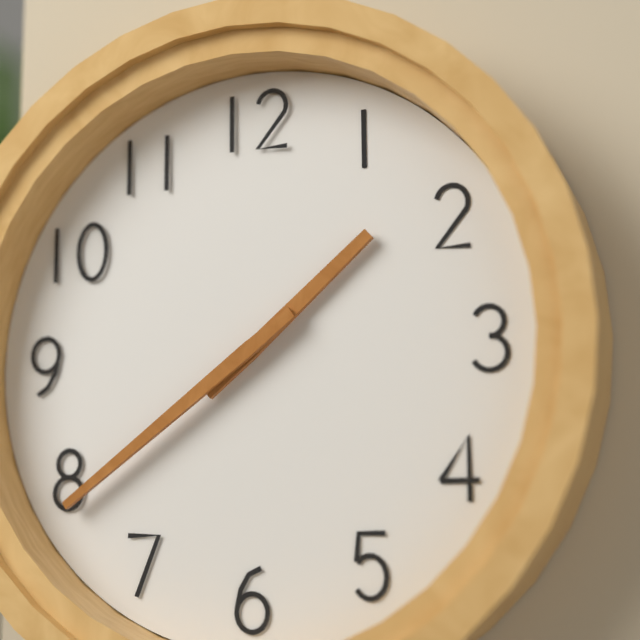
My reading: 1:39
